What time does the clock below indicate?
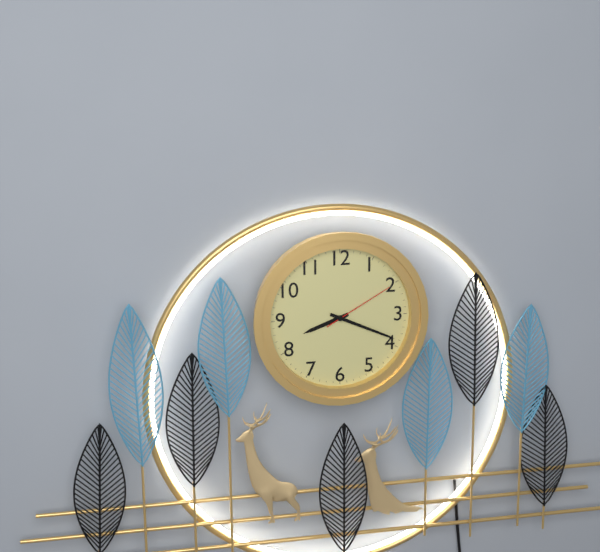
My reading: 8:19:10
